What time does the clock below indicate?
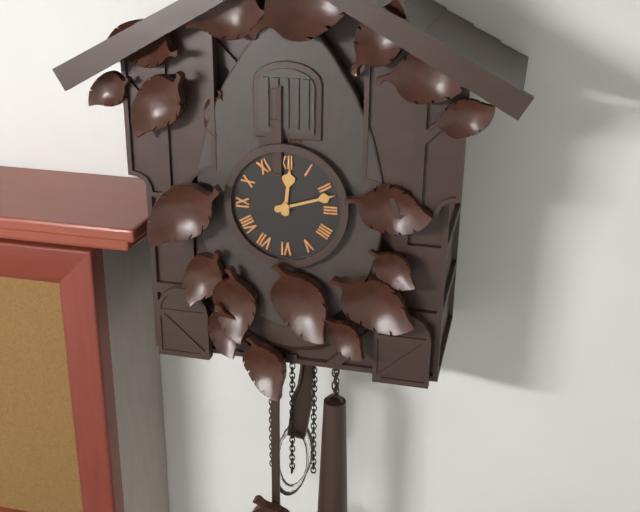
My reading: 12:12
